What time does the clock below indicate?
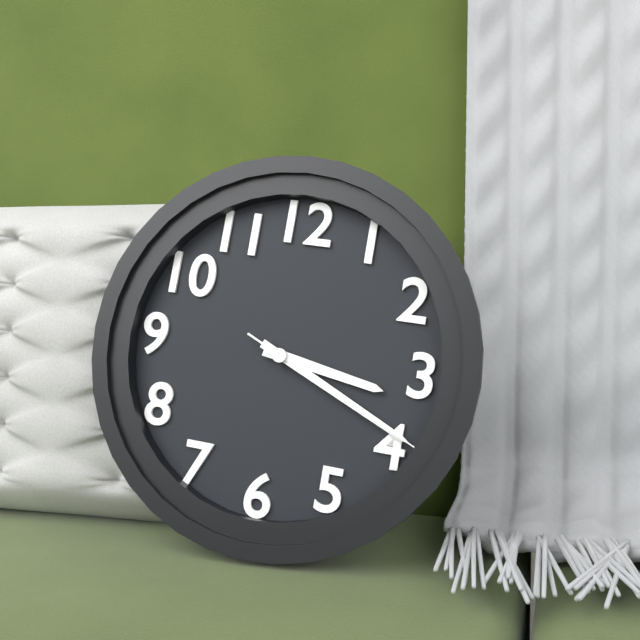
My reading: 3:19:19
